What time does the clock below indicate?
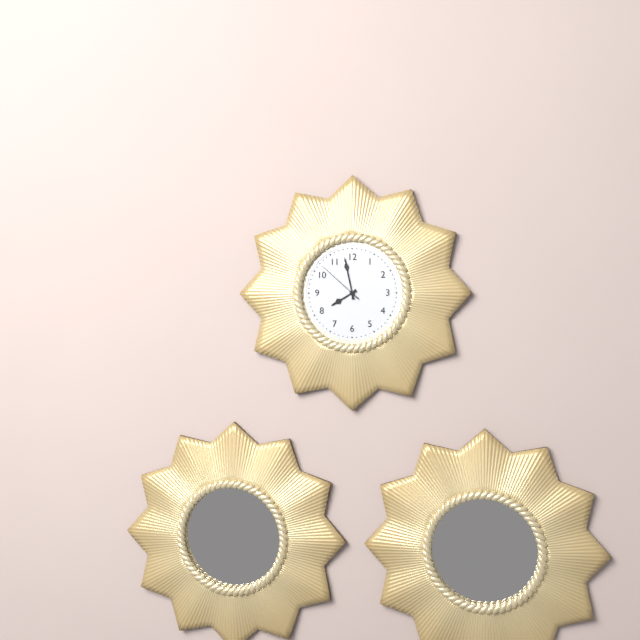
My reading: 7:58:52
